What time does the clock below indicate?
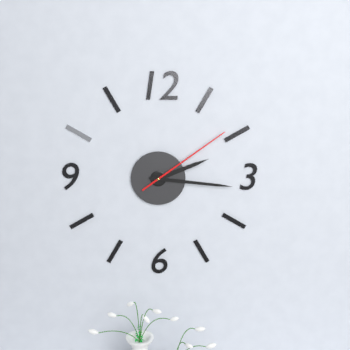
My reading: 2:16:09
